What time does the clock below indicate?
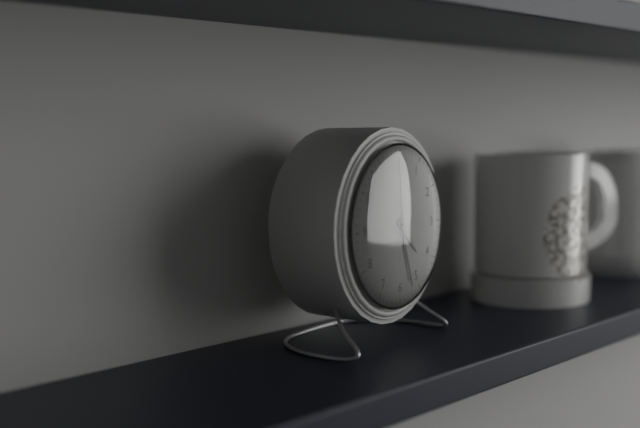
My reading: 4:27:59
